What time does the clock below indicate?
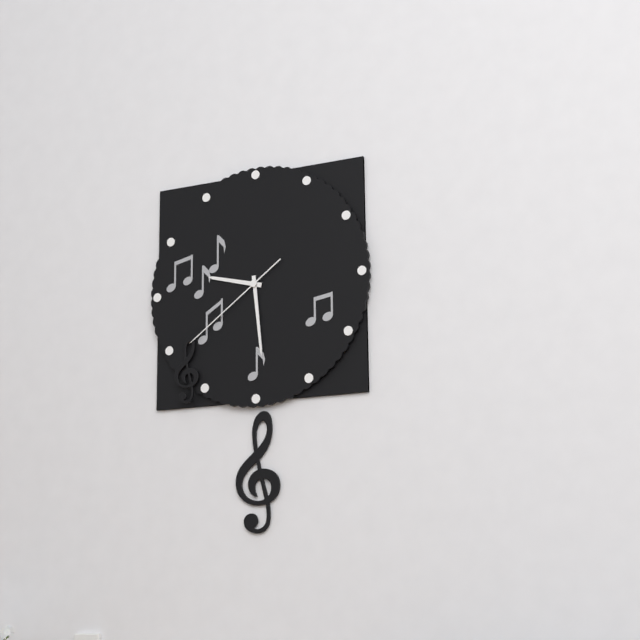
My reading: 9:29:39
